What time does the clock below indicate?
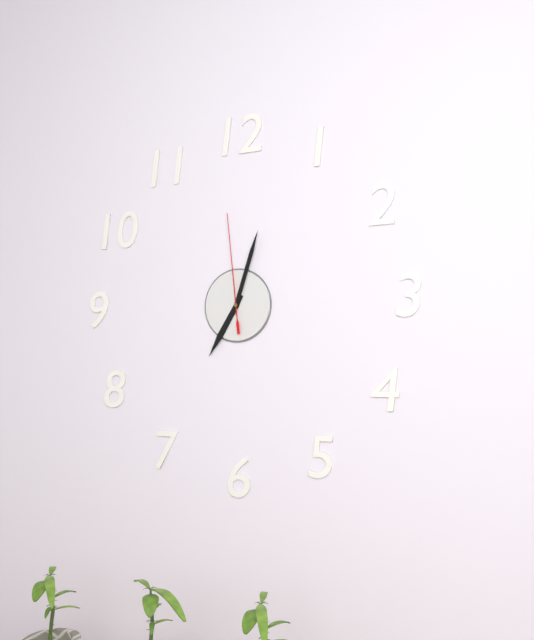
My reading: 7:03:59
